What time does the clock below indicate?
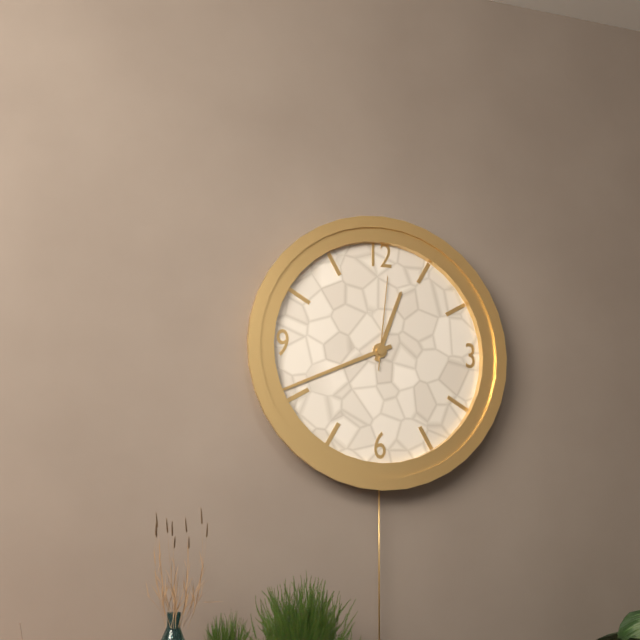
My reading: 12:41:01
